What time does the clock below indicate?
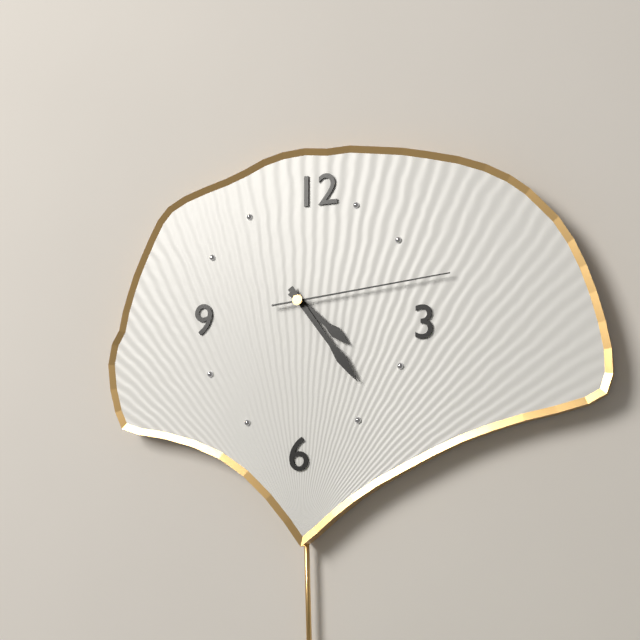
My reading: 4:24:14
